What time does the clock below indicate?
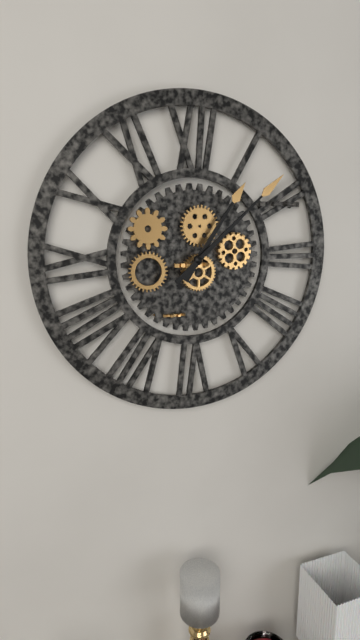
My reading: 1:08
